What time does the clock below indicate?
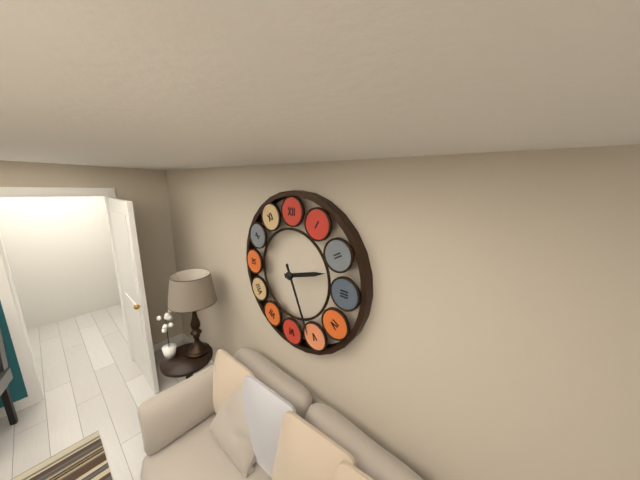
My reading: 2:26
